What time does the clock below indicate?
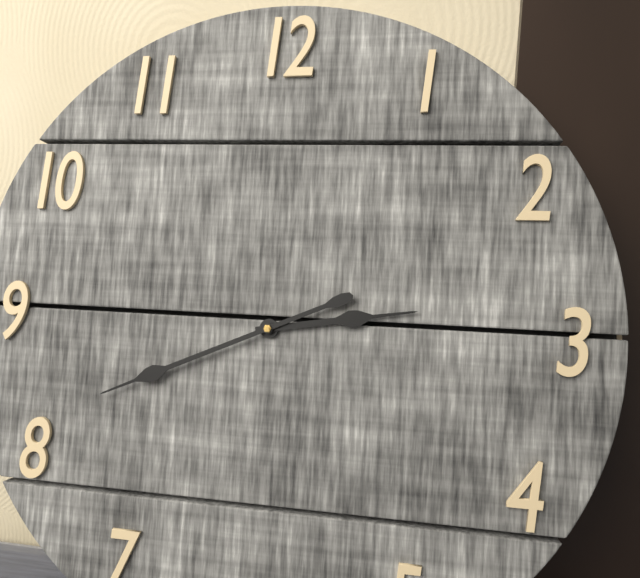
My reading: 2:41
